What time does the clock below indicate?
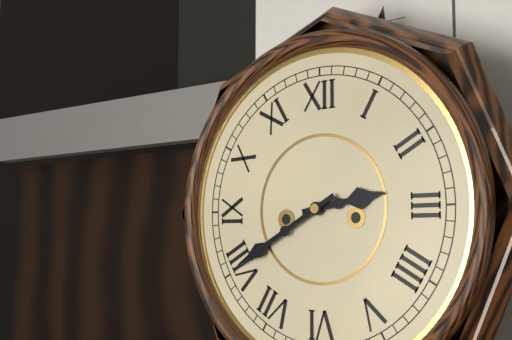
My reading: 2:40
